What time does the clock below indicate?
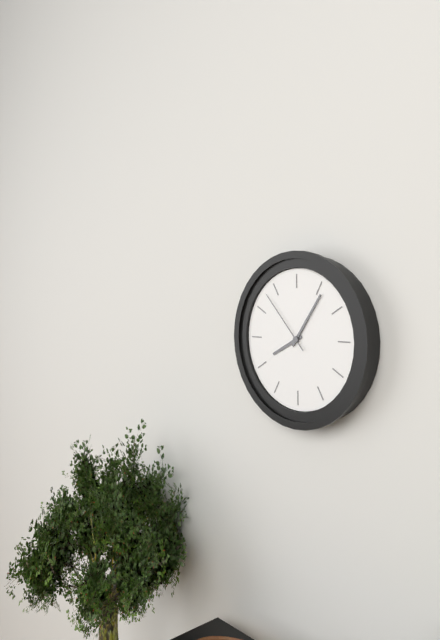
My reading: 8:06:53
